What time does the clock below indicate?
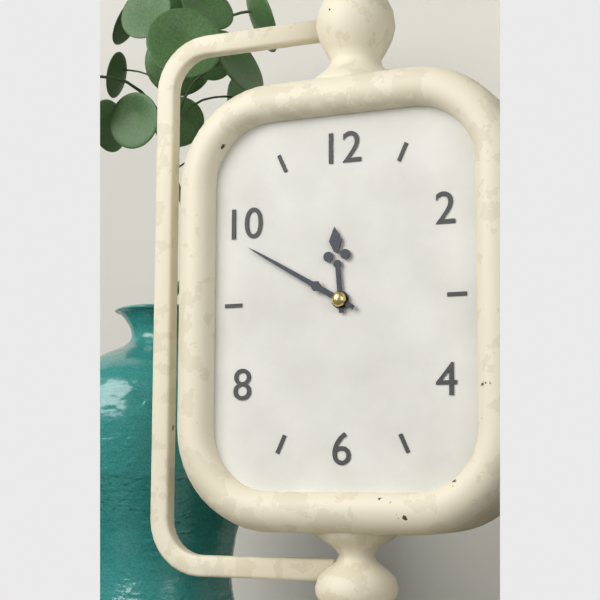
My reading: 11:50
